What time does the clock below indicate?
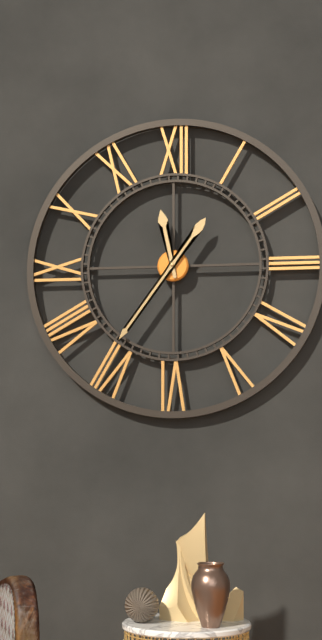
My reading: 11:36
